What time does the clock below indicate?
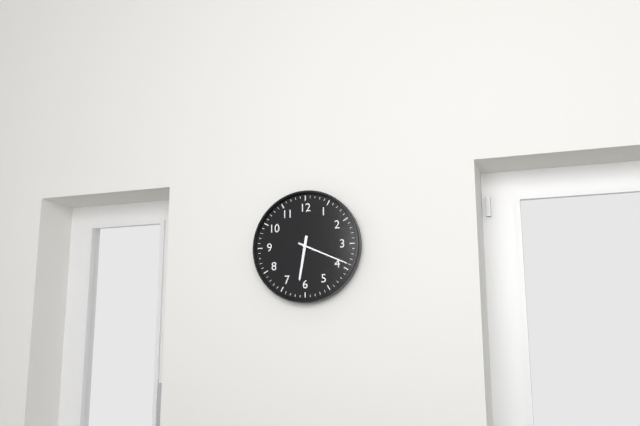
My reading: 6:19
